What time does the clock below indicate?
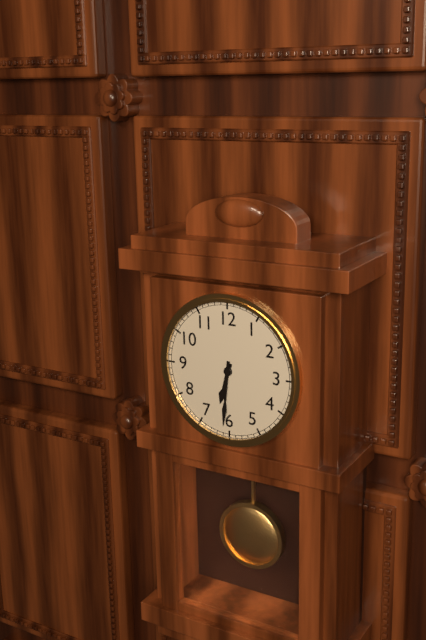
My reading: 6:31
